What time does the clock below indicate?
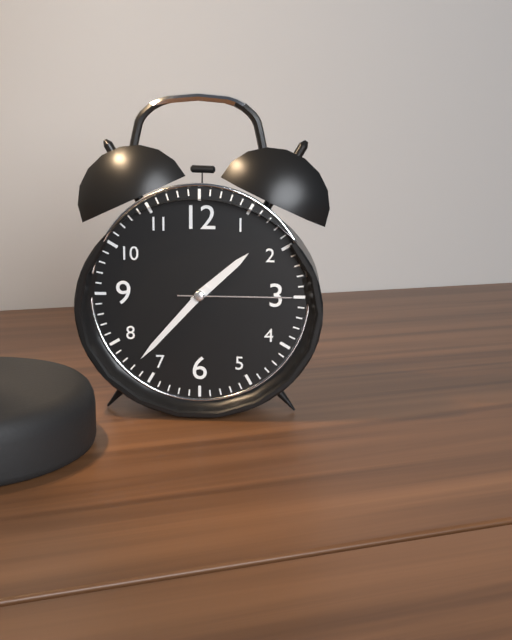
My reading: 1:37:15
